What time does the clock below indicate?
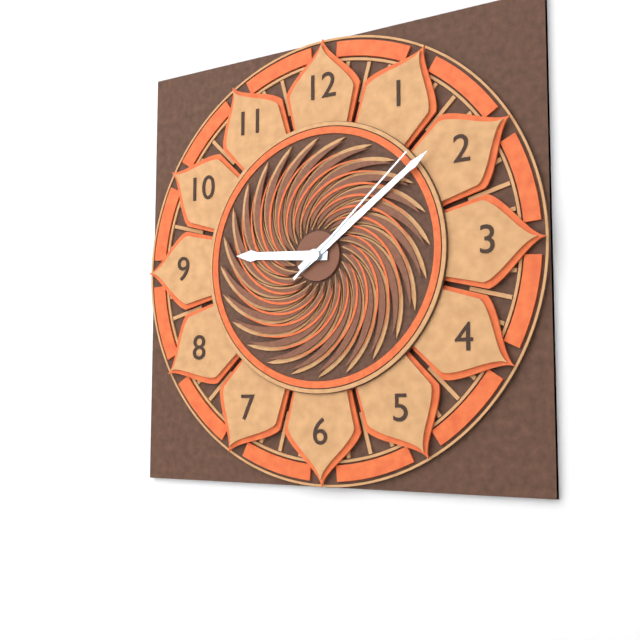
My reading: 9:09:08
